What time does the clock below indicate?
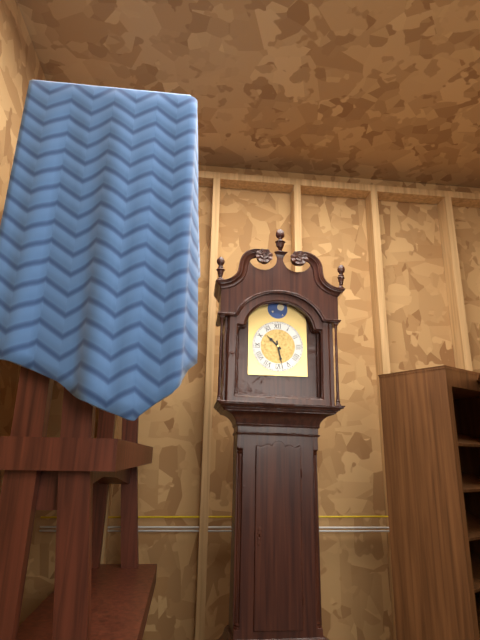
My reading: 10:28
